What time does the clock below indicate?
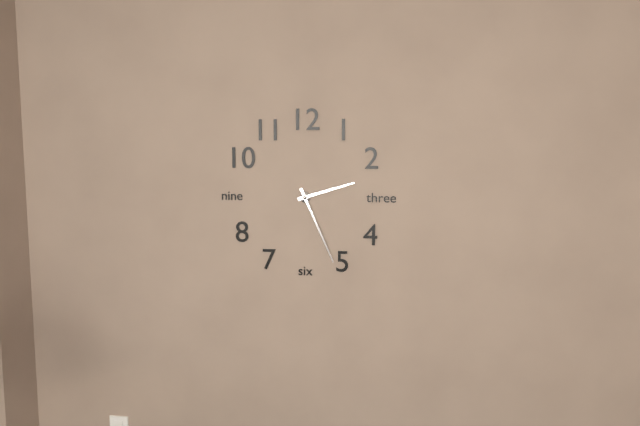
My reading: 2:26
